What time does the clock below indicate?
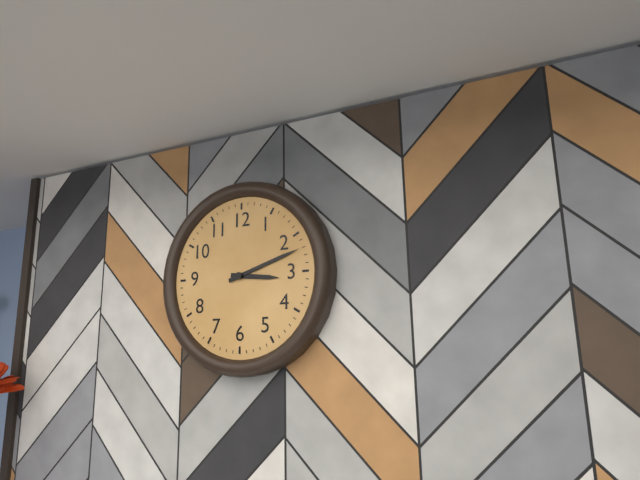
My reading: 3:12
